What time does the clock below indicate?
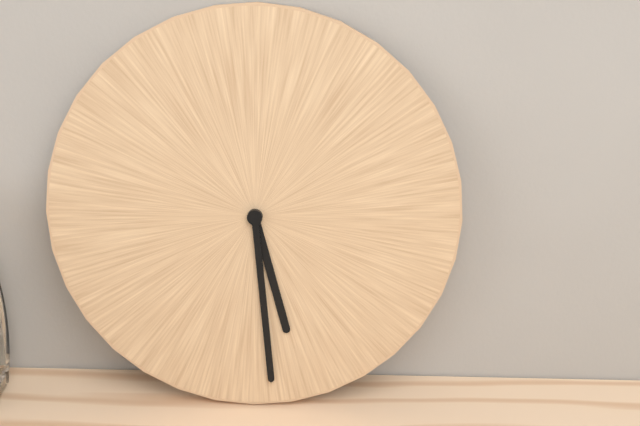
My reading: 5:29
